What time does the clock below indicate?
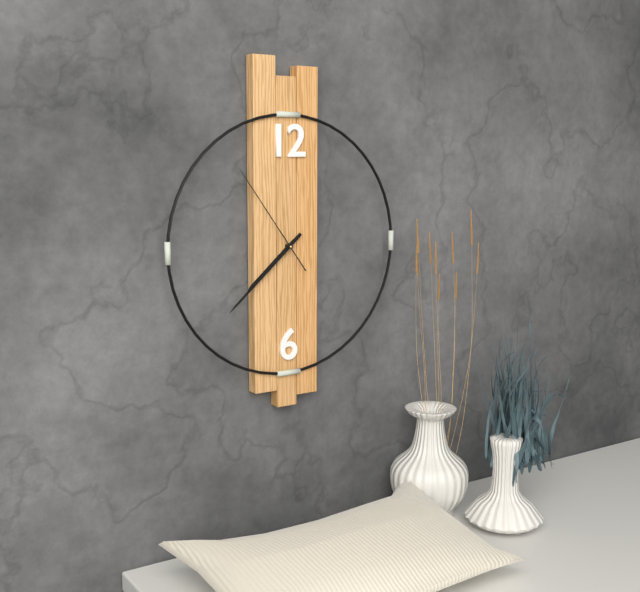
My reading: 7:38:54
